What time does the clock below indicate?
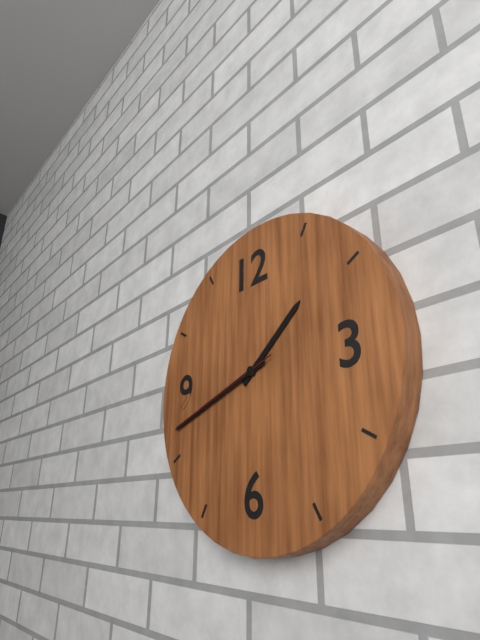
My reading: 1:42:42
